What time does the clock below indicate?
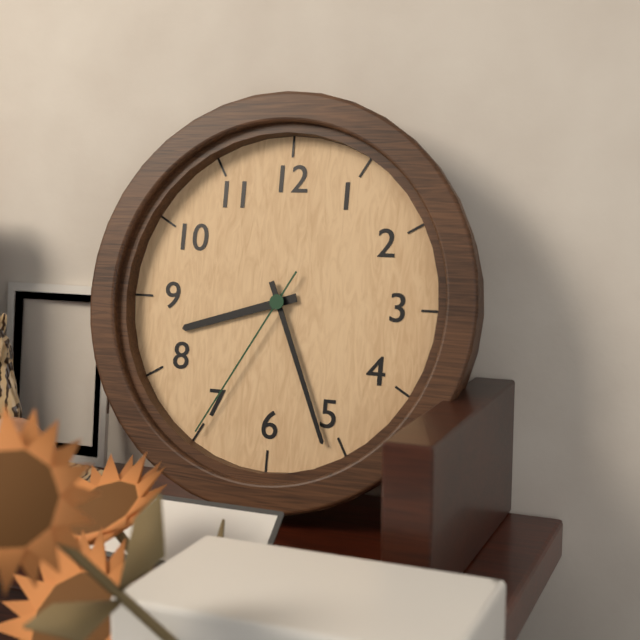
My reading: 8:26:35
